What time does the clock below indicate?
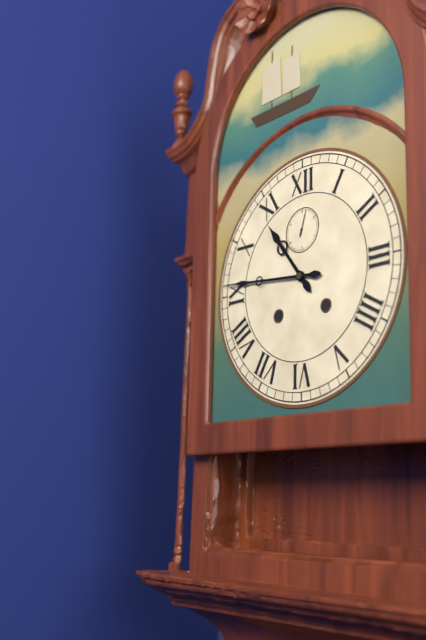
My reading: 10:46
